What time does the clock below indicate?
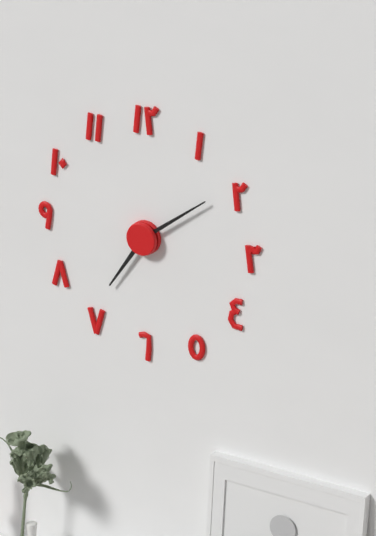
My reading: 7:09
